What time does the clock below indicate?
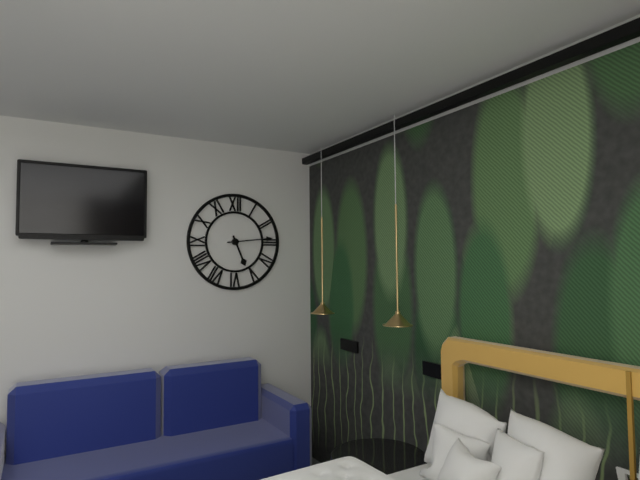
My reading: 5:14
